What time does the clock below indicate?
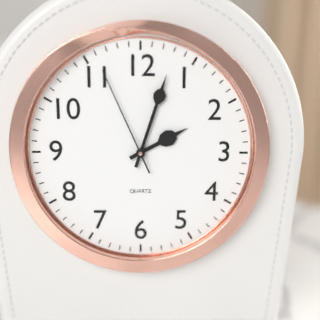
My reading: 2:03:56
